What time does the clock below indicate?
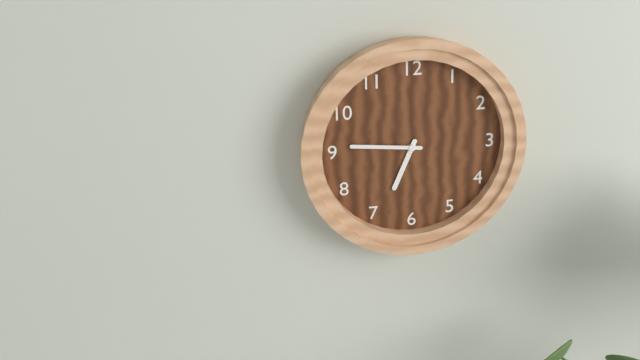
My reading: 6:46
